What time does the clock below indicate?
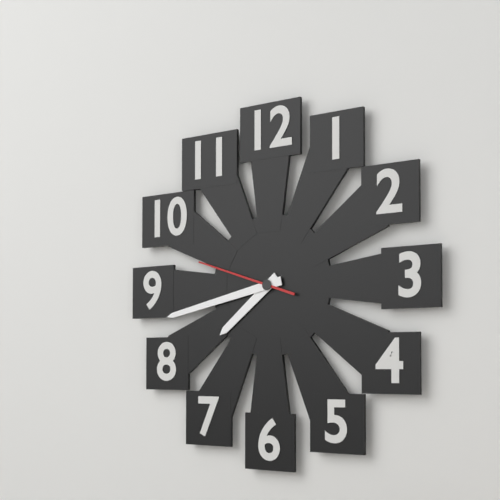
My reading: 7:43:48
